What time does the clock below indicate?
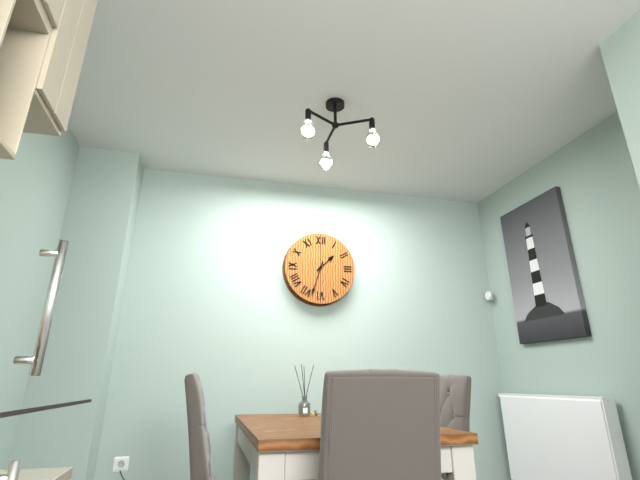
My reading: 1:33
